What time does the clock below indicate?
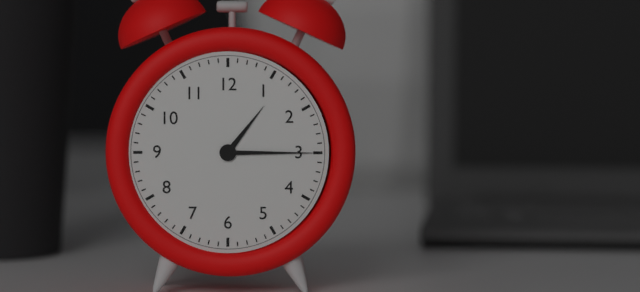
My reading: 1:15
